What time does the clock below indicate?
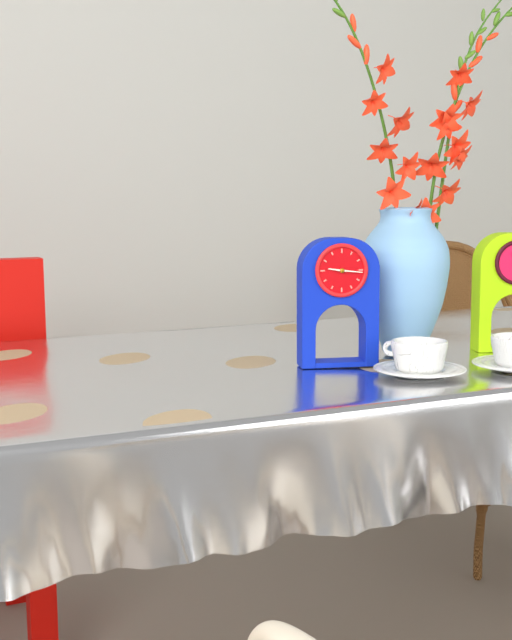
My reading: 9:16
